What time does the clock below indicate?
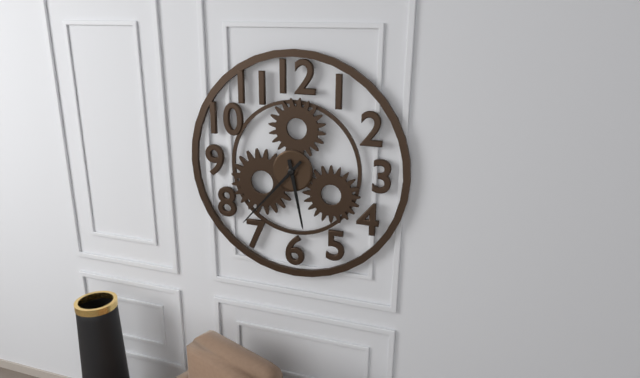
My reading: 5:37
